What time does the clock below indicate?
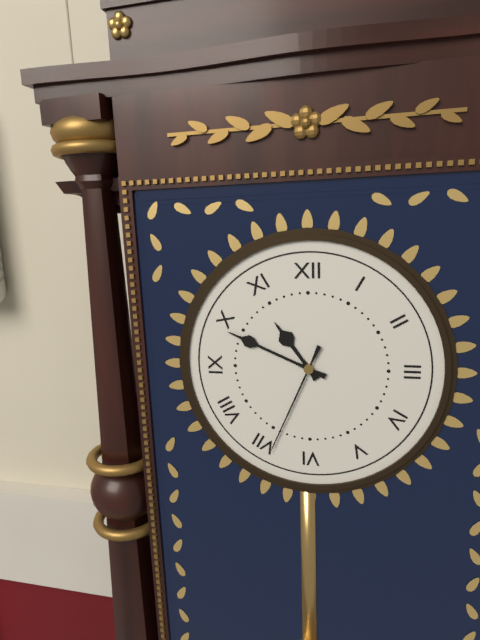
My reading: 10:49:34
